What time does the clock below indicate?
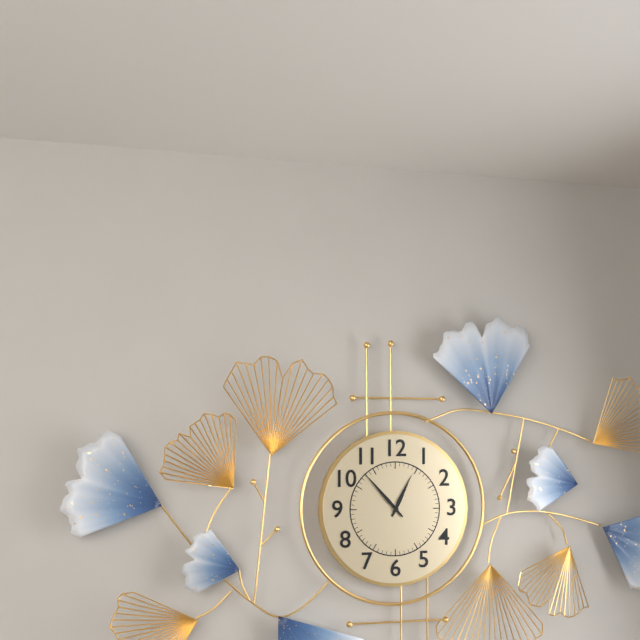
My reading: 12:53
